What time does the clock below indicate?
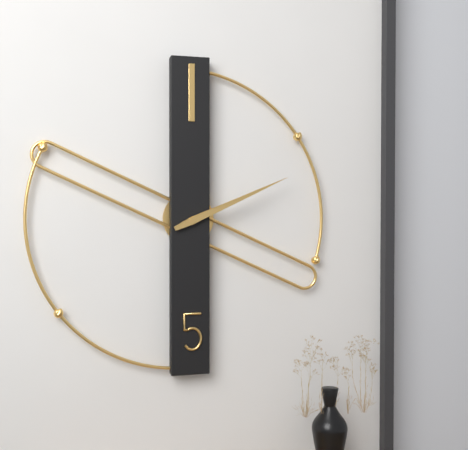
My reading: 2:11
